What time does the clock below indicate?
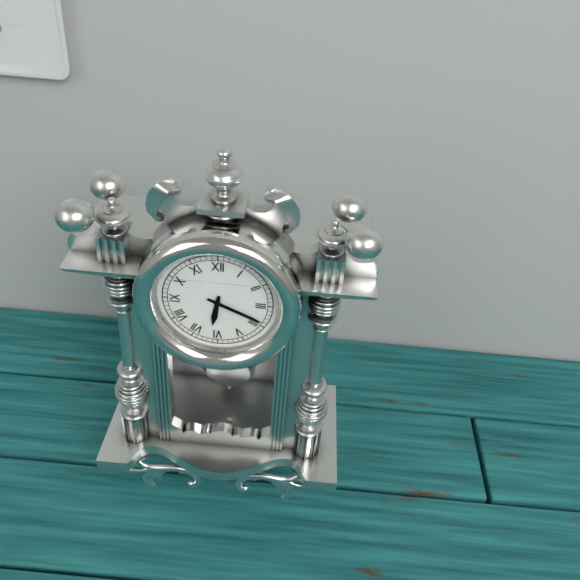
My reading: 6:19
